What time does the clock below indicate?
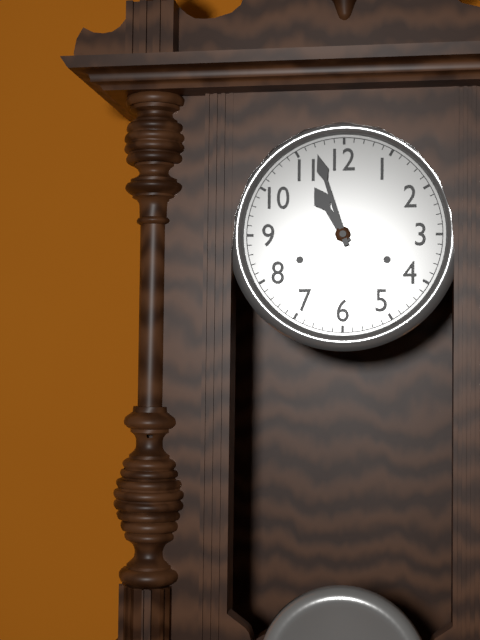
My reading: 10:57
